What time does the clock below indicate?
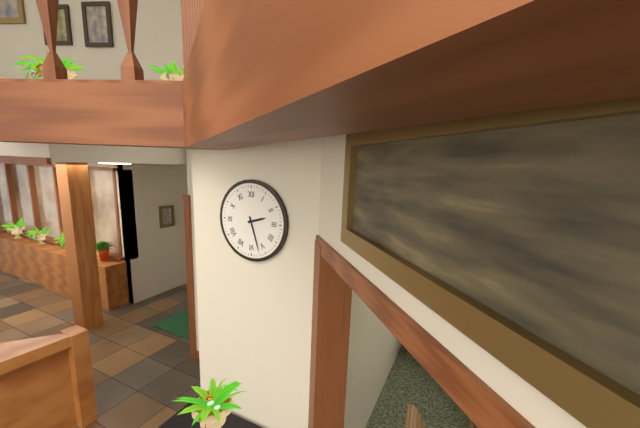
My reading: 2:27
